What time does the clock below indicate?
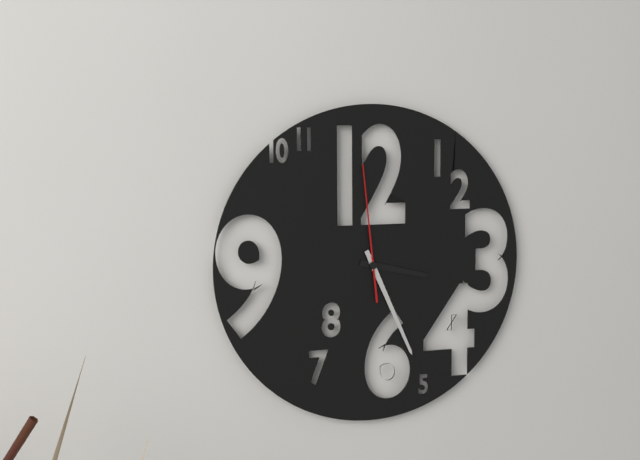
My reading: 3:26:59
